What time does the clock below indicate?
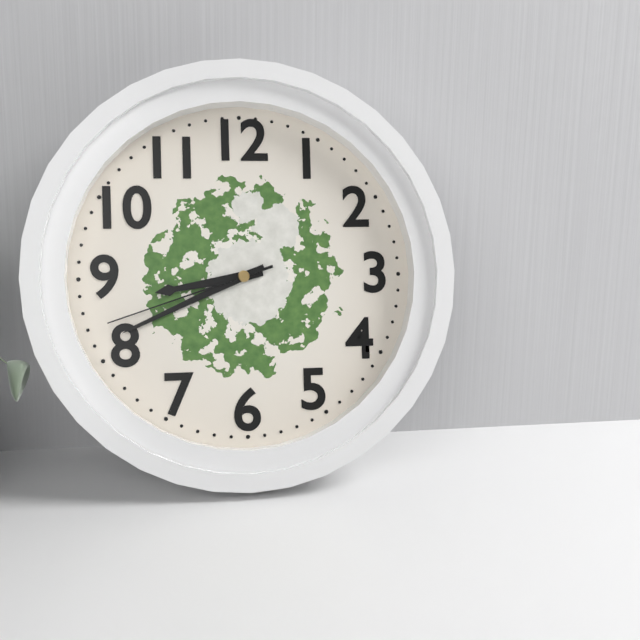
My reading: 8:41:42
